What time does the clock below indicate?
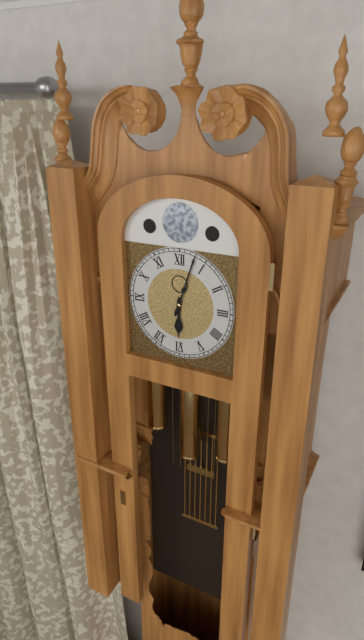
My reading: 6:03
